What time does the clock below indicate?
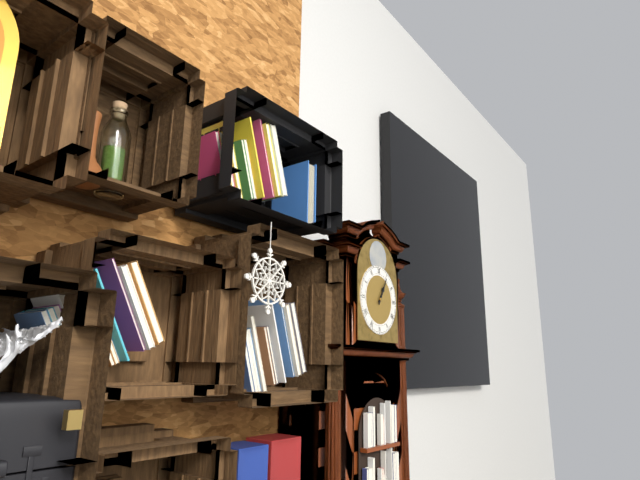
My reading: 1:05
